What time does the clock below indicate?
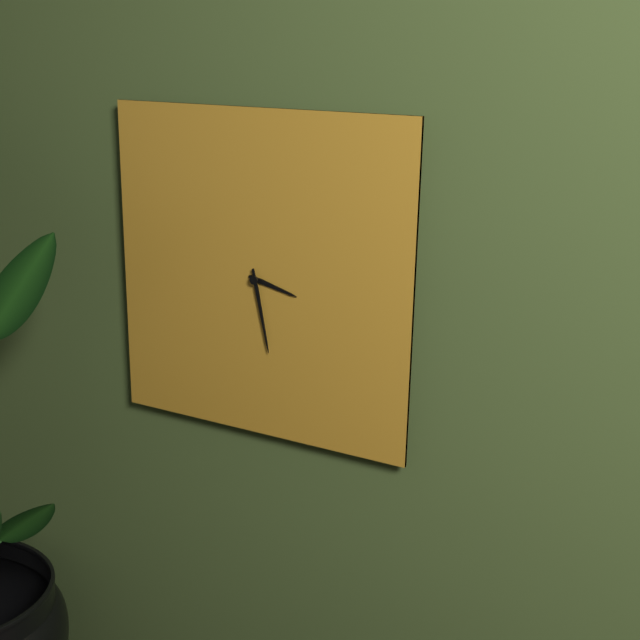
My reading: 3:28
